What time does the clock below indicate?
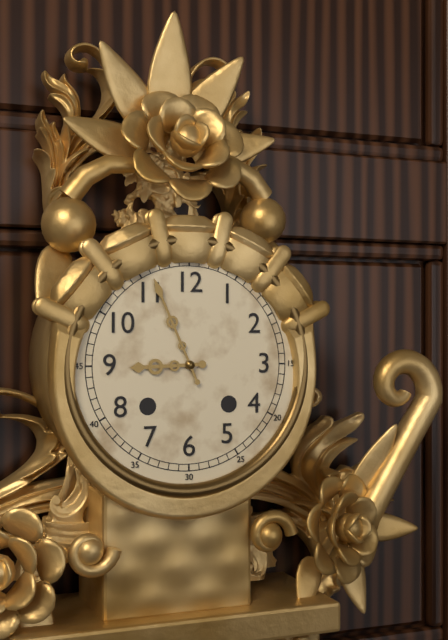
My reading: 8:56
